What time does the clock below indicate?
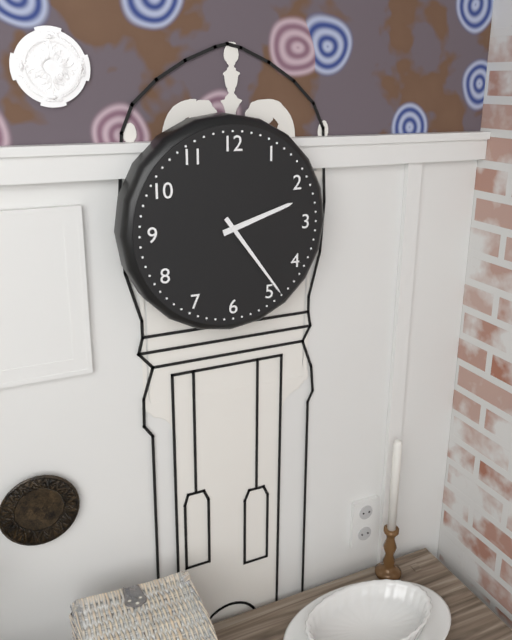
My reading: 2:24
